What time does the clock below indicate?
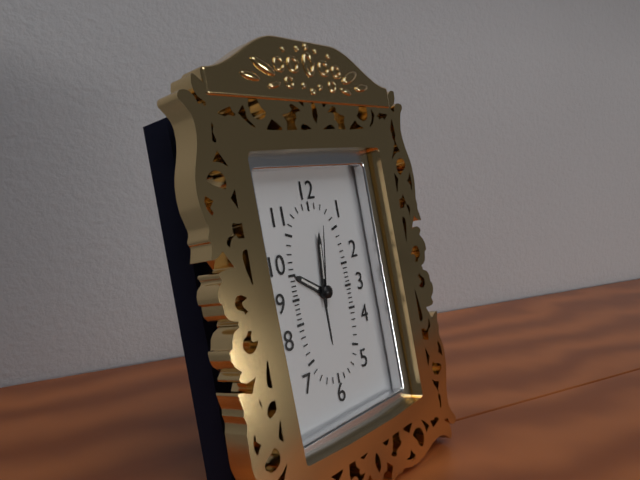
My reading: 10:01:02
